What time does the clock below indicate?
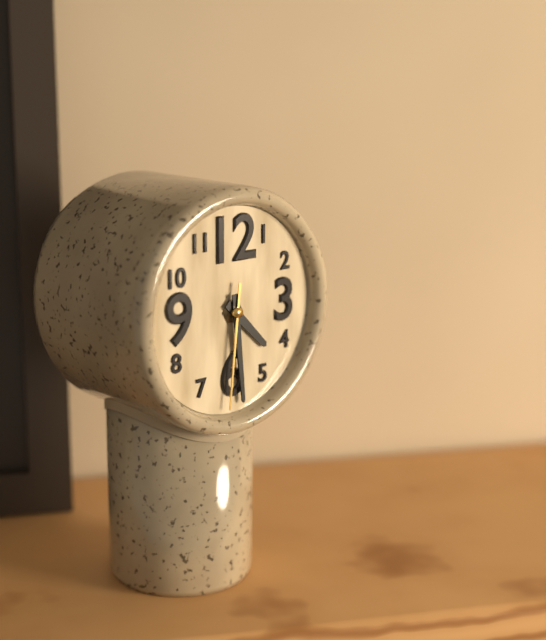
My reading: 4:29:31
